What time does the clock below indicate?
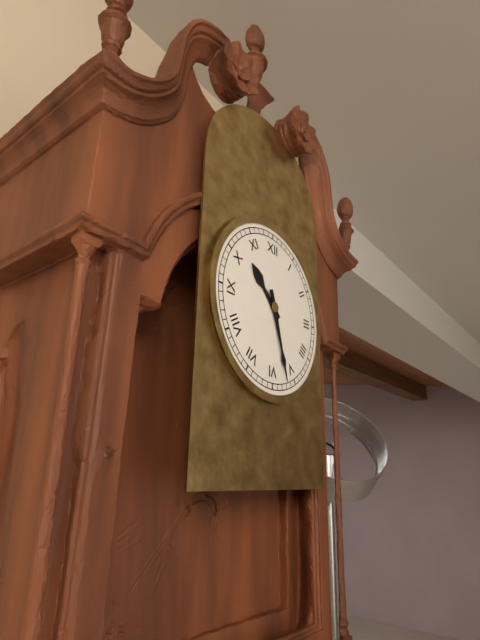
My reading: 10:27
